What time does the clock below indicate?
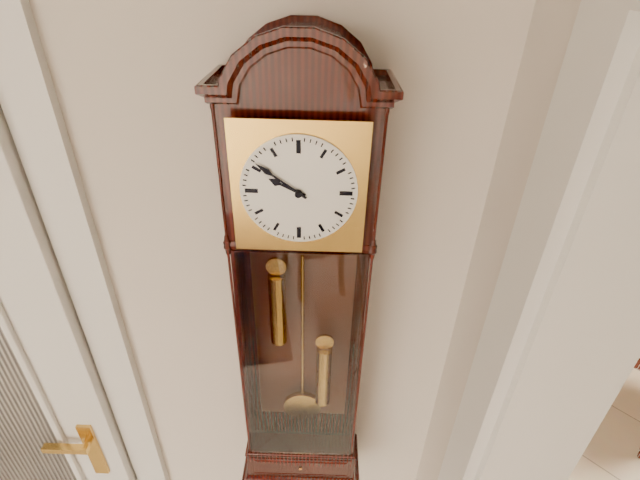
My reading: 9:51
